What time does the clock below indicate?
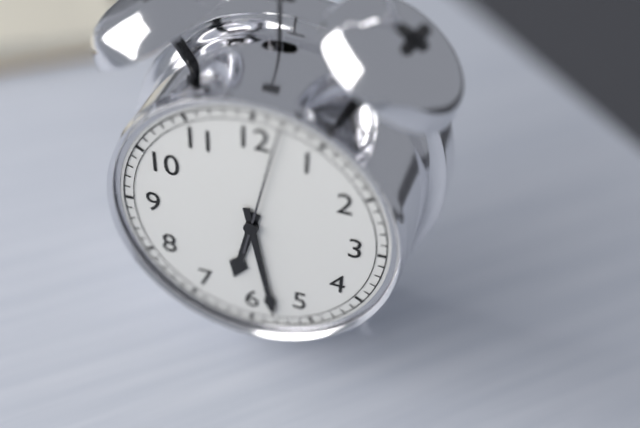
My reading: 6:28:02
